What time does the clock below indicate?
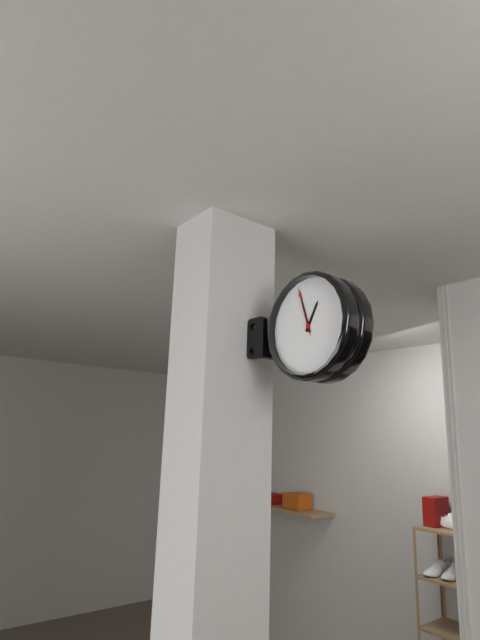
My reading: 12:57:57
